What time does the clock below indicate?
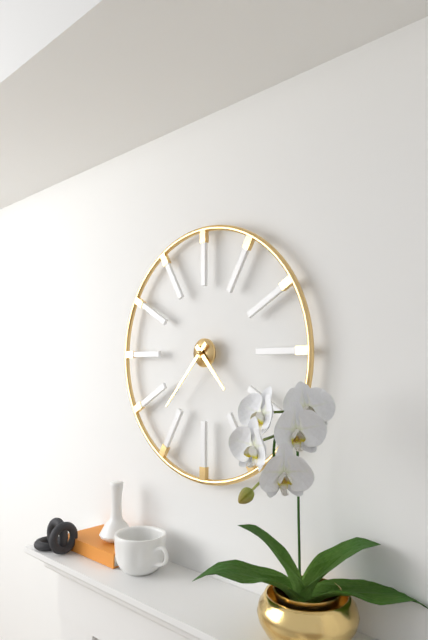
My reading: 4:37
